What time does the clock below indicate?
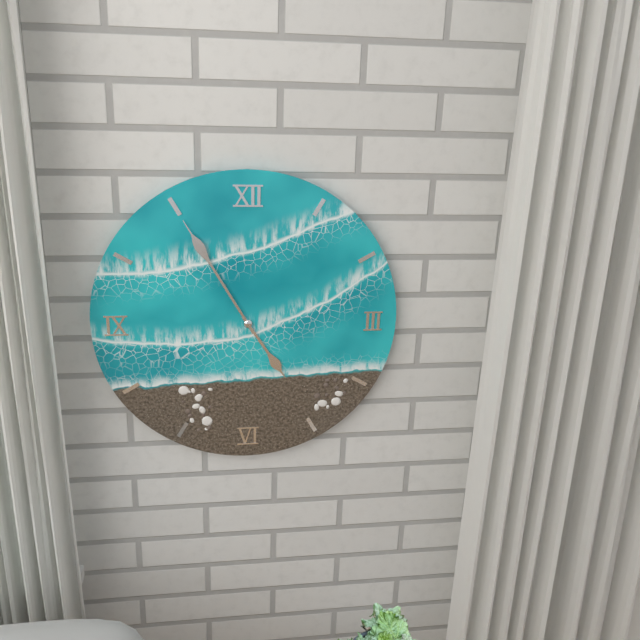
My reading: 4:55
